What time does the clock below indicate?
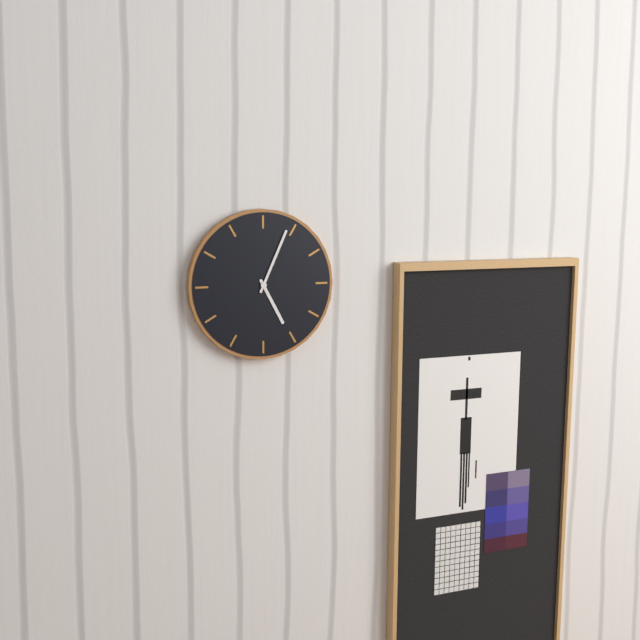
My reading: 5:04
